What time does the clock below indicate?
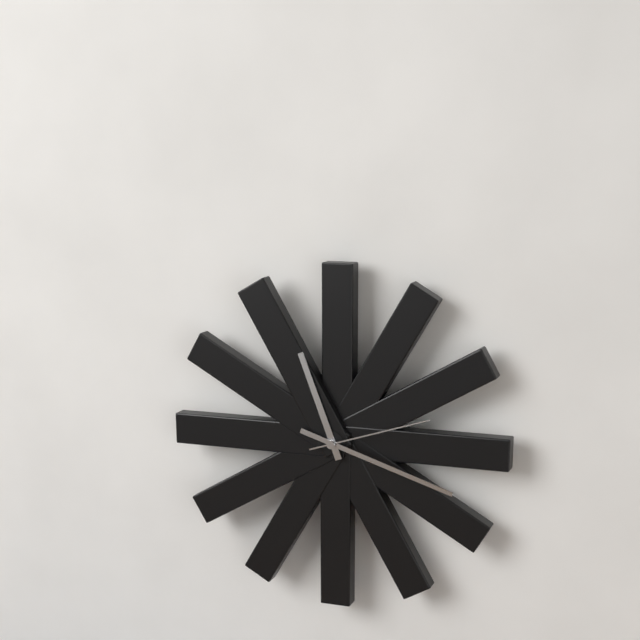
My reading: 11:18:12
